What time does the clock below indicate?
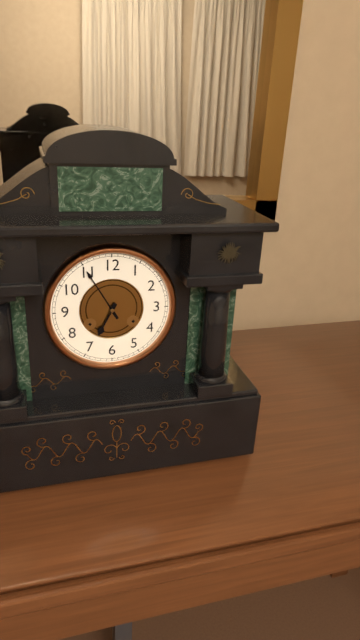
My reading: 6:55
